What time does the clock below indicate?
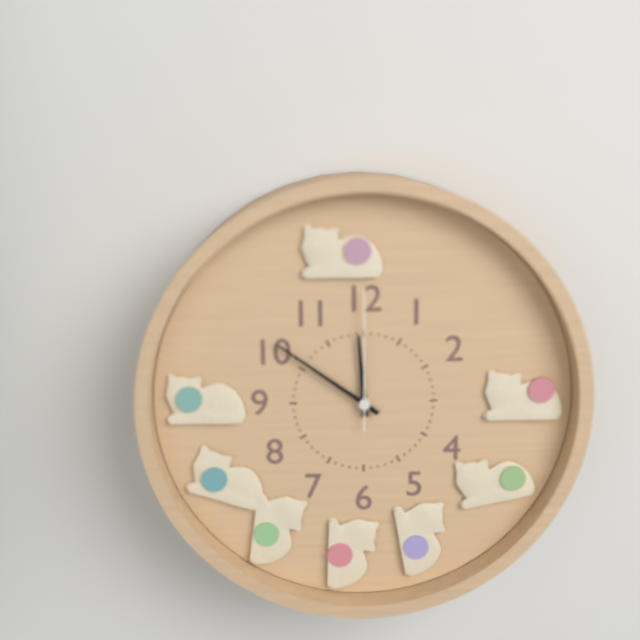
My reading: 11:51:00
